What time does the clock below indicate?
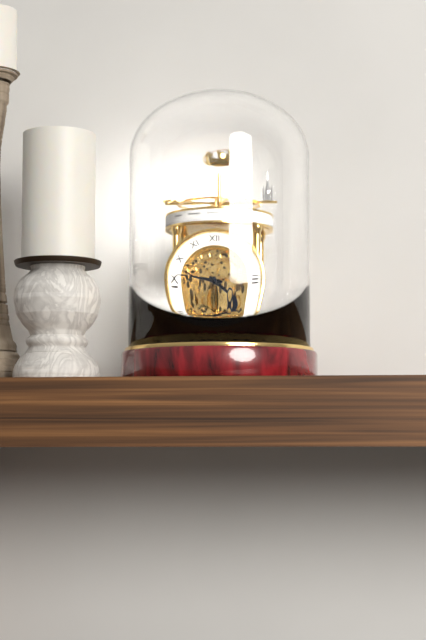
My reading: 3:46
